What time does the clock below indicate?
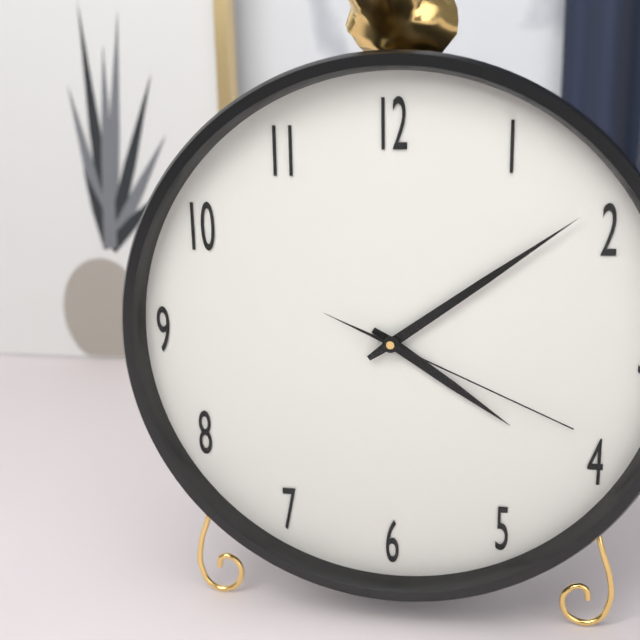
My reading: 4:09:19
